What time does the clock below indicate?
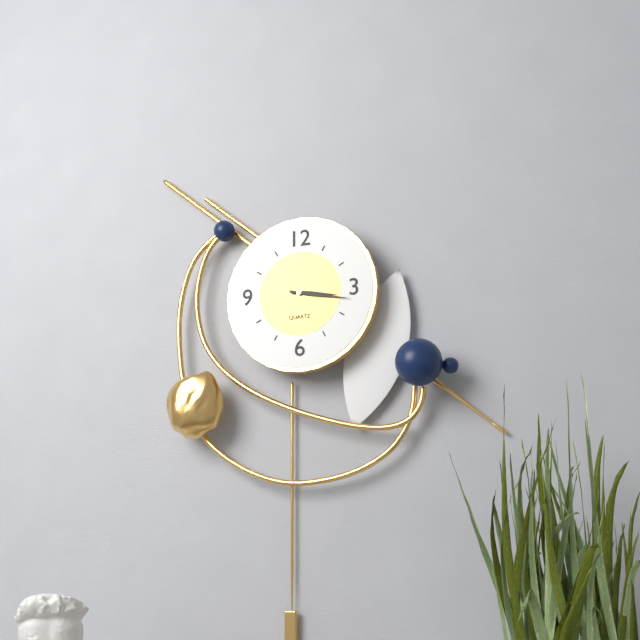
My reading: 3:17
